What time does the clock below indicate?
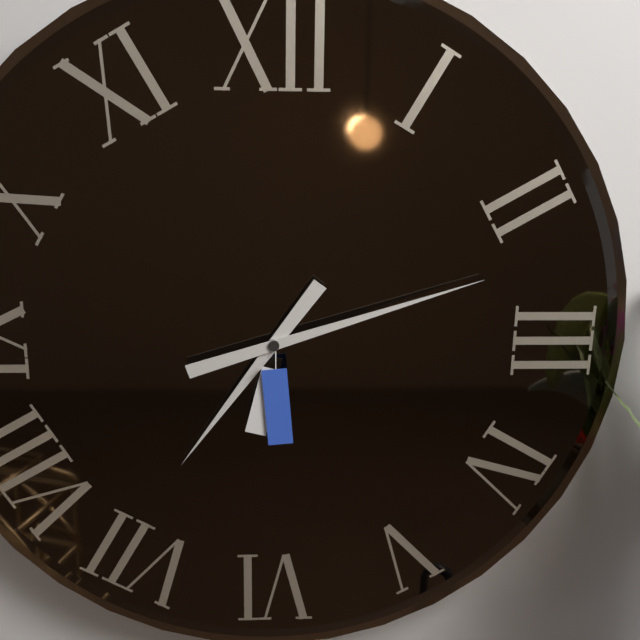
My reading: 7:12
